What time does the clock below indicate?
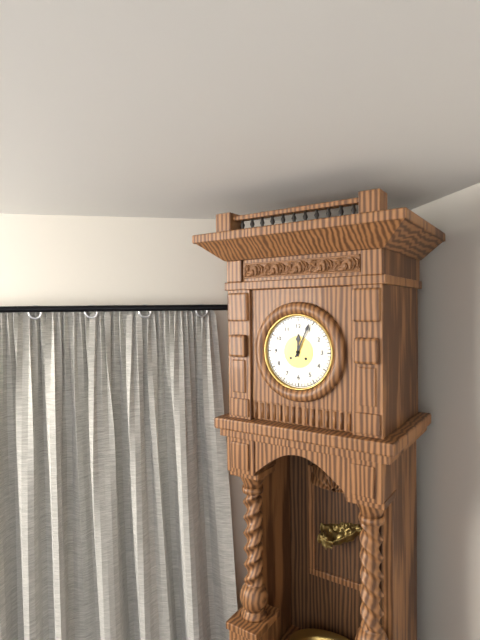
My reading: 12:04
